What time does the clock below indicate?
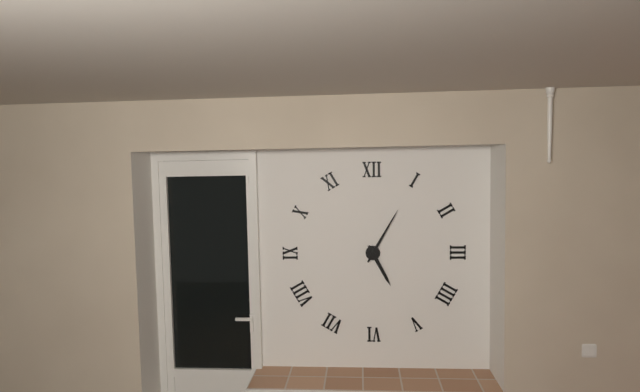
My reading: 5:05
